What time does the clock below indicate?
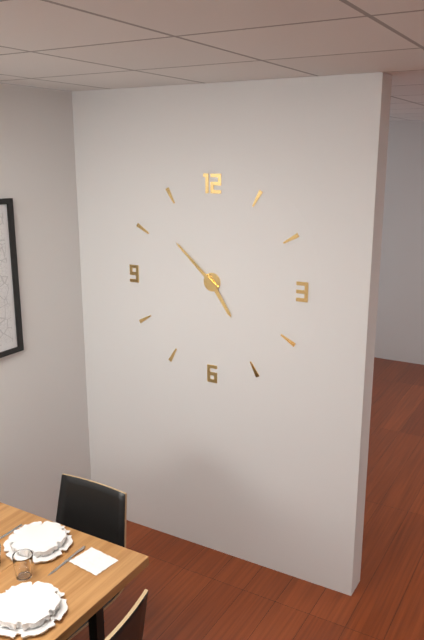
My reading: 4:52
